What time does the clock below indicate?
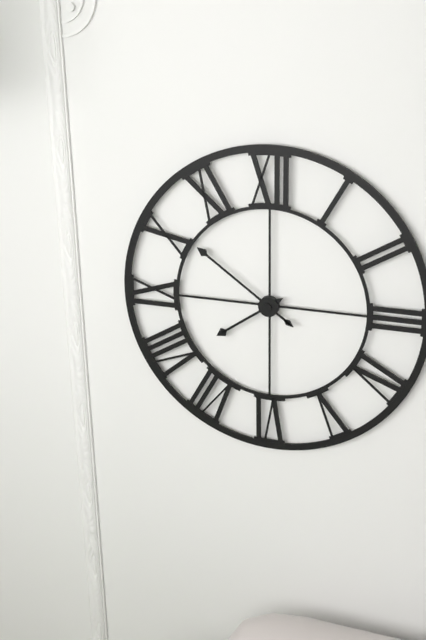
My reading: 7:51
